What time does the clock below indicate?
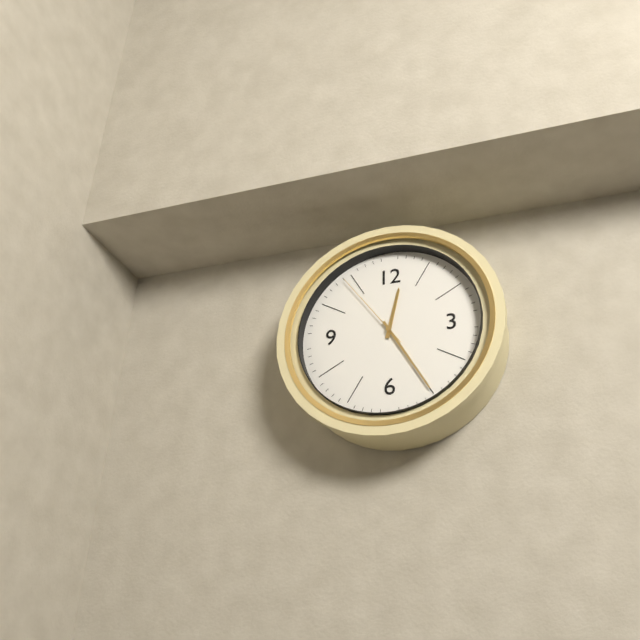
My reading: 12:25:54
